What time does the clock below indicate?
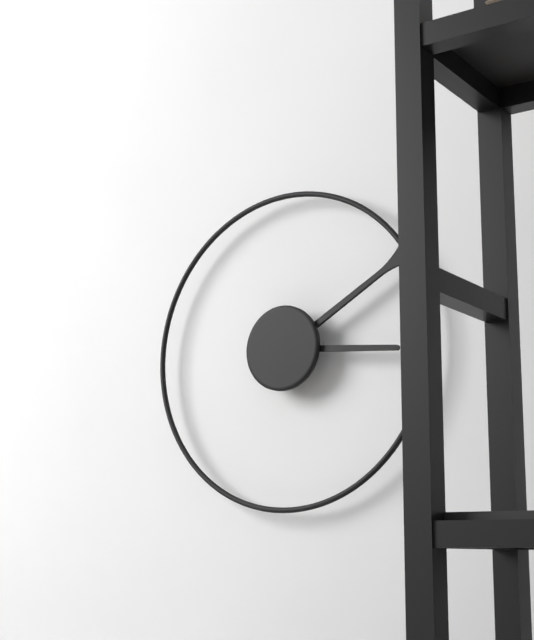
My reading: 3:10
